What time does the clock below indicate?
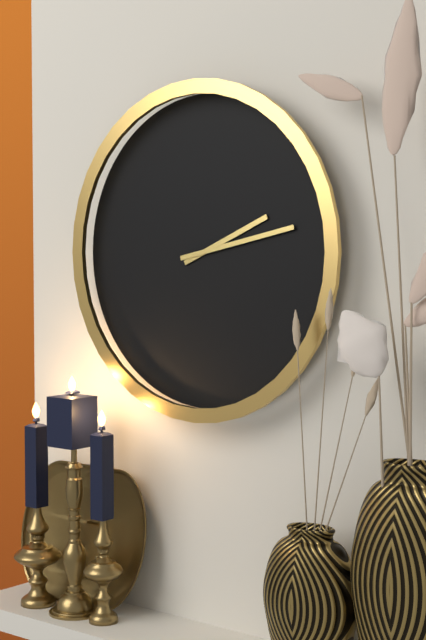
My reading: 2:13
